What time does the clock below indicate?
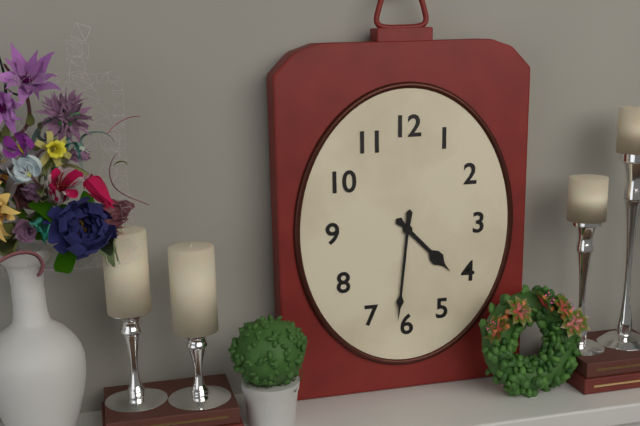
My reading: 4:31
